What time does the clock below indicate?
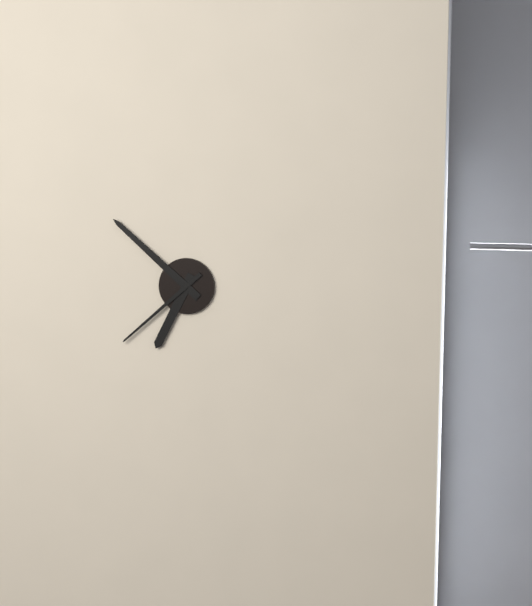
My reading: 6:52:38
